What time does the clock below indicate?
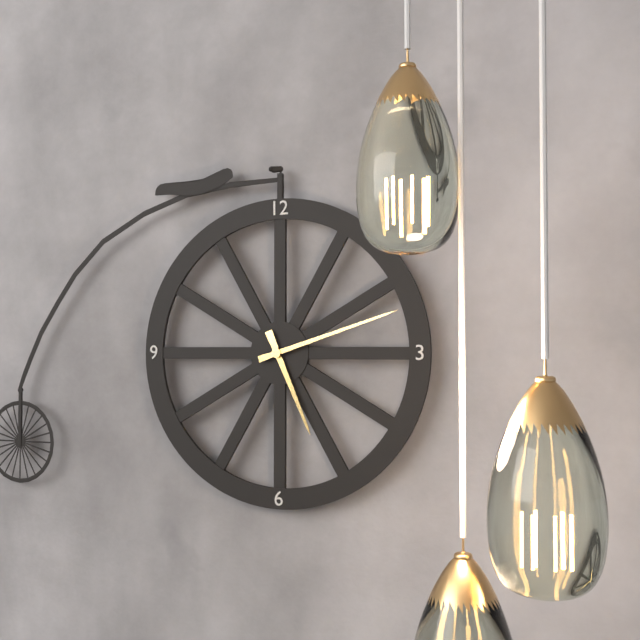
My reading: 5:12
